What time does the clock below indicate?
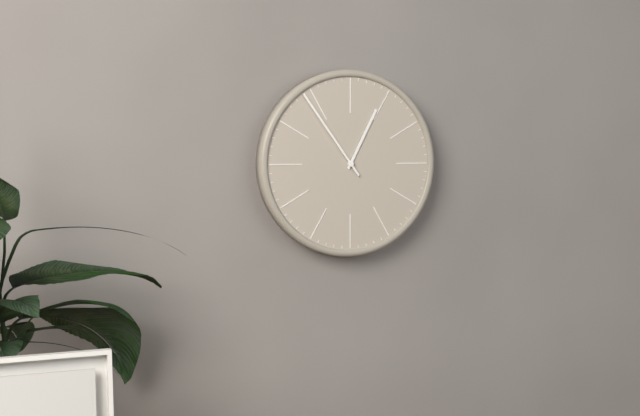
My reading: 12:54
